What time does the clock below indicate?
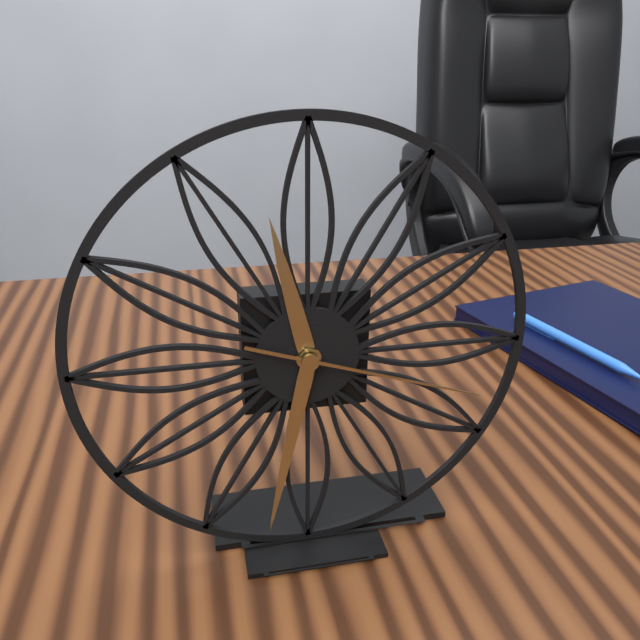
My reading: 11:32:18
